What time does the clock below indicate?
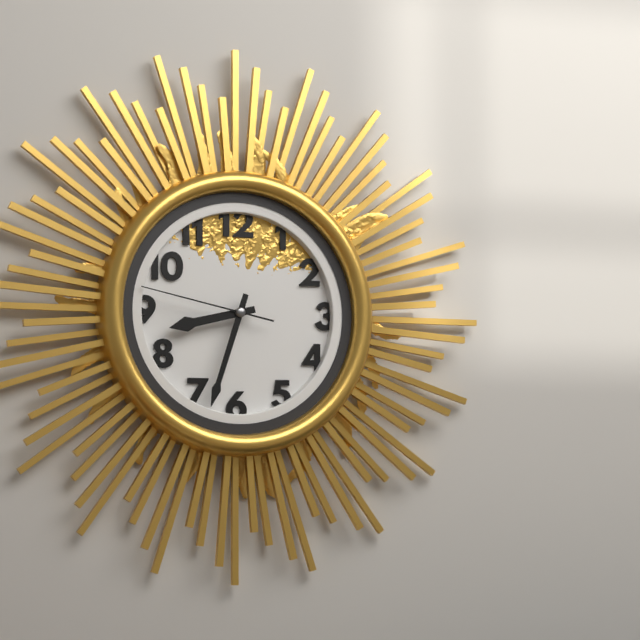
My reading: 8:33:47
